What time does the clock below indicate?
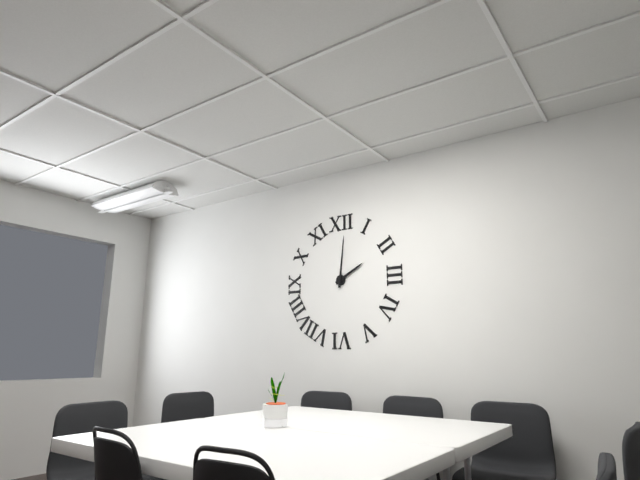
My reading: 2:01
